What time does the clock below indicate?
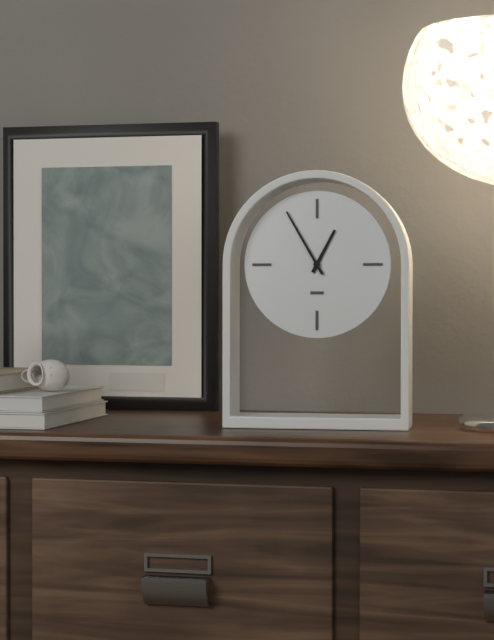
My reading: 12:55
